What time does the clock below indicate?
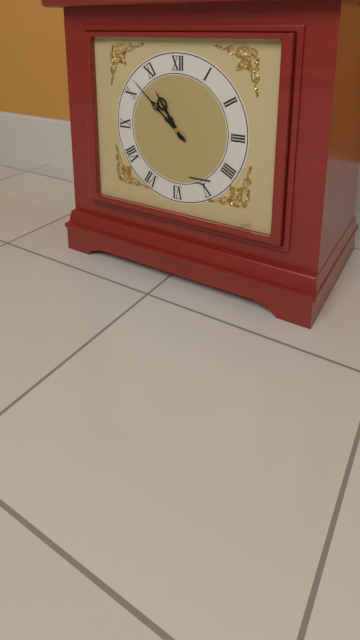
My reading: 10:52
